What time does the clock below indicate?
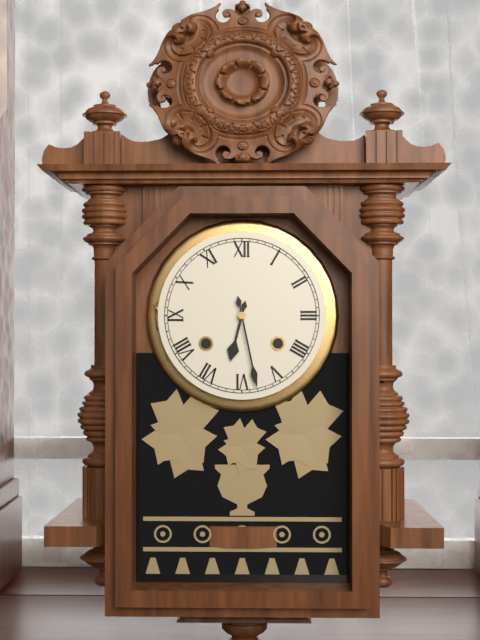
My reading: 6:28
